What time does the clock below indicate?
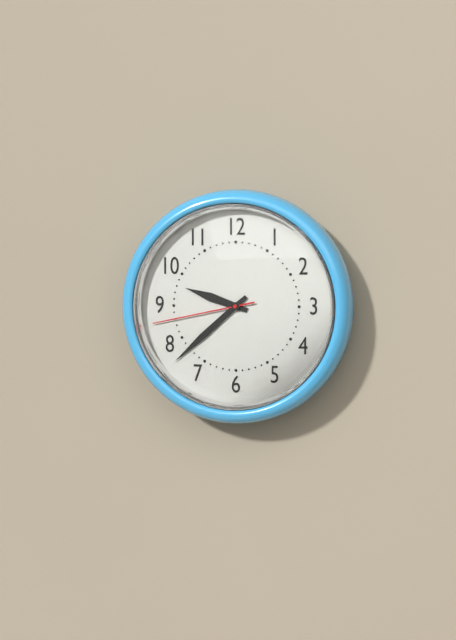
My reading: 9:38:43
